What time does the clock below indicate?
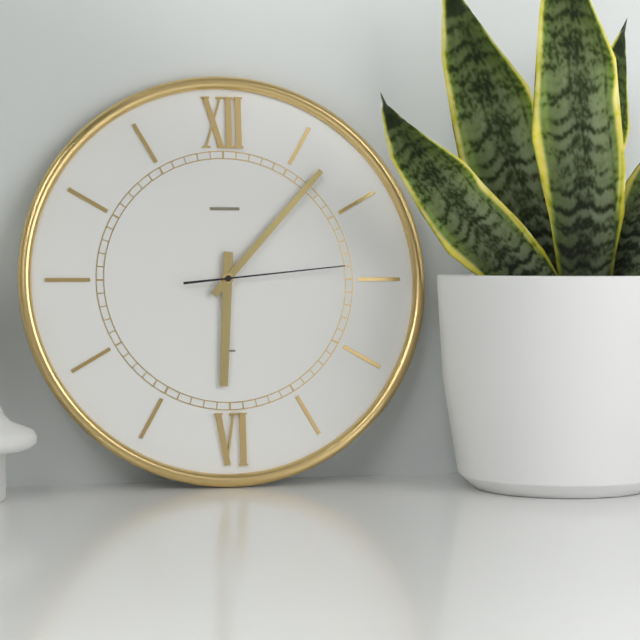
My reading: 6:07:14
